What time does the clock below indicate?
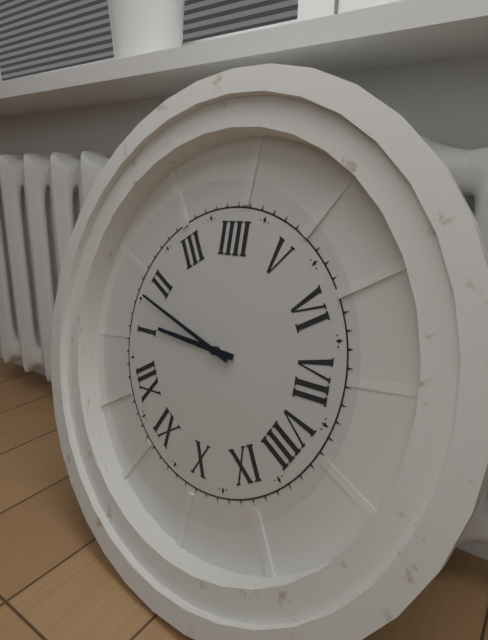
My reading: 1:08
